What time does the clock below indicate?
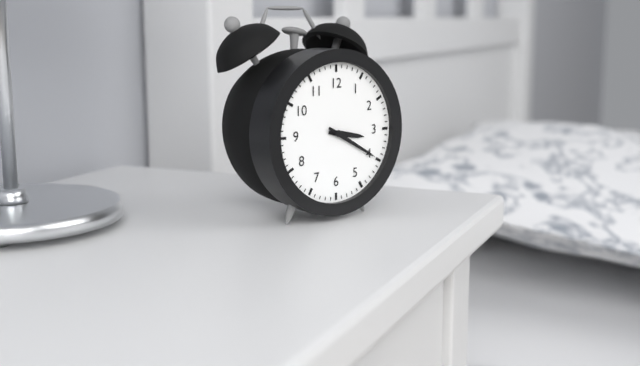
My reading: 3:20
